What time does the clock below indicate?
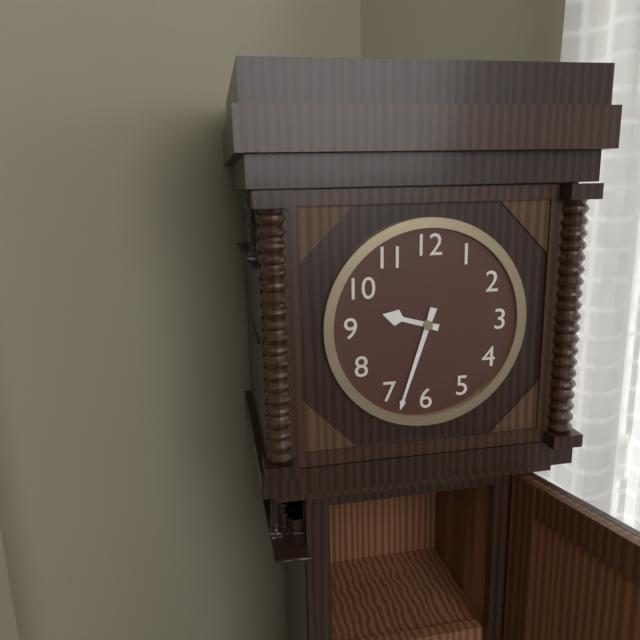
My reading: 9:33
